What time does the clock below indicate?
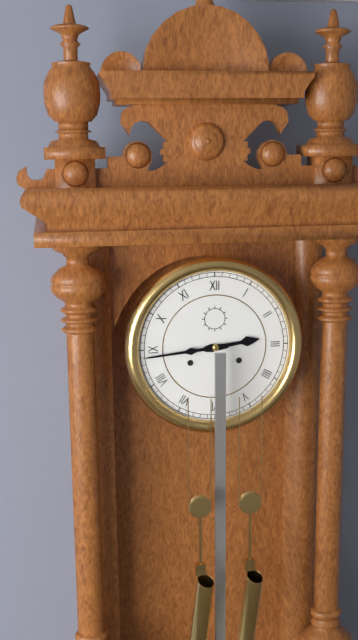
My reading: 2:44
